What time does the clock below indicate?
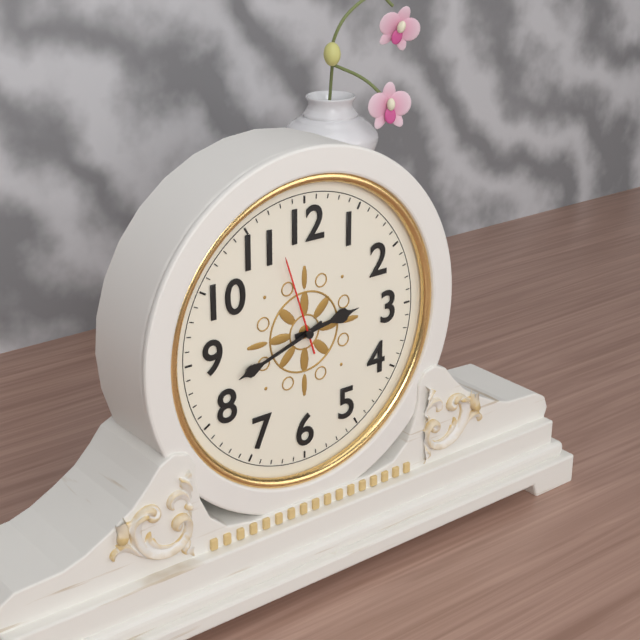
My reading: 2:42:57
